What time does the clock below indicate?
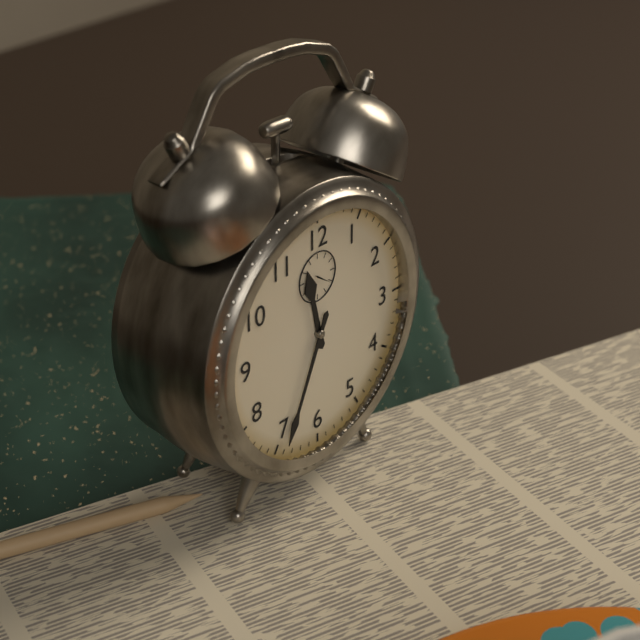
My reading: 11:34
